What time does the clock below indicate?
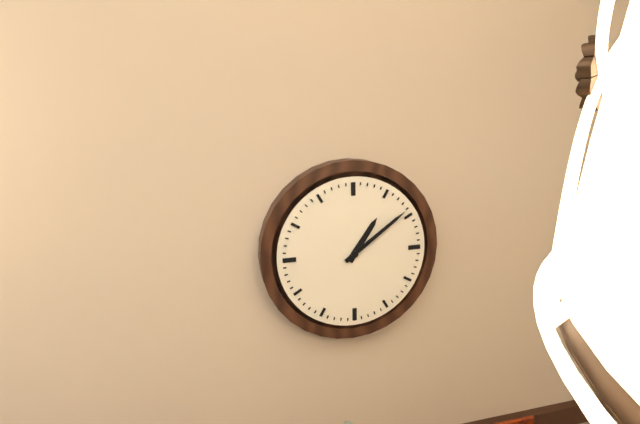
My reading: 1:09
